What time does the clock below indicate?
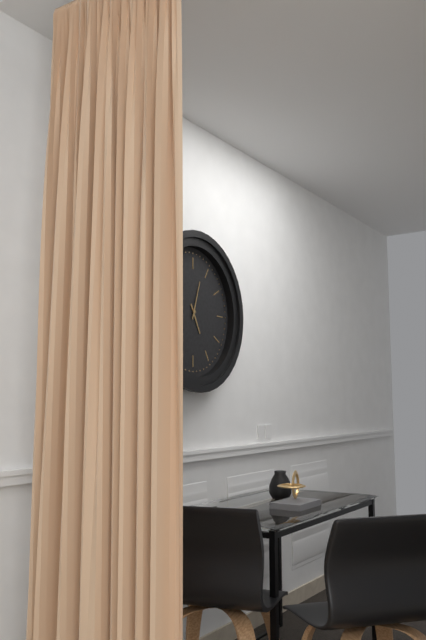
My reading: 5:03
